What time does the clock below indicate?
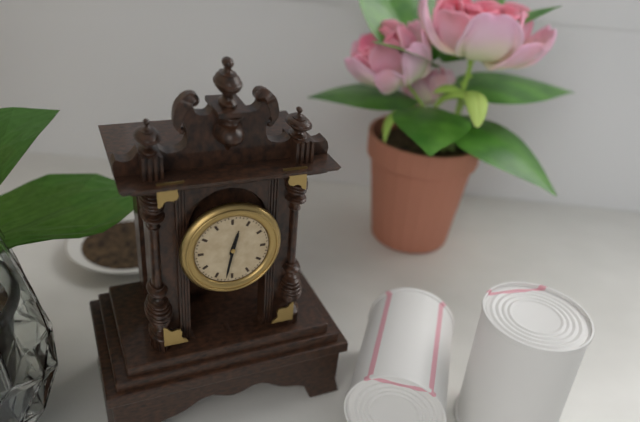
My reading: 12:32
